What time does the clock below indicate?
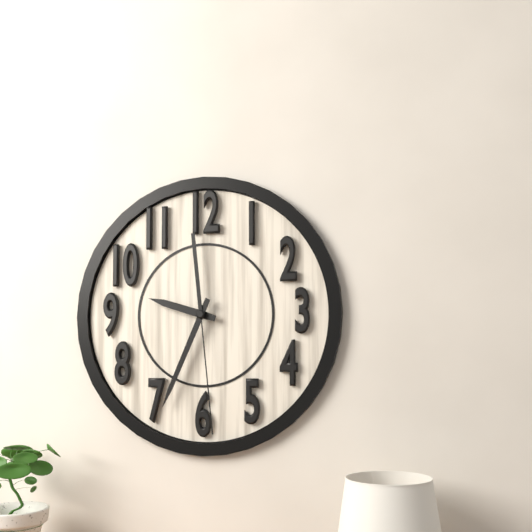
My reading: 9:34:29
